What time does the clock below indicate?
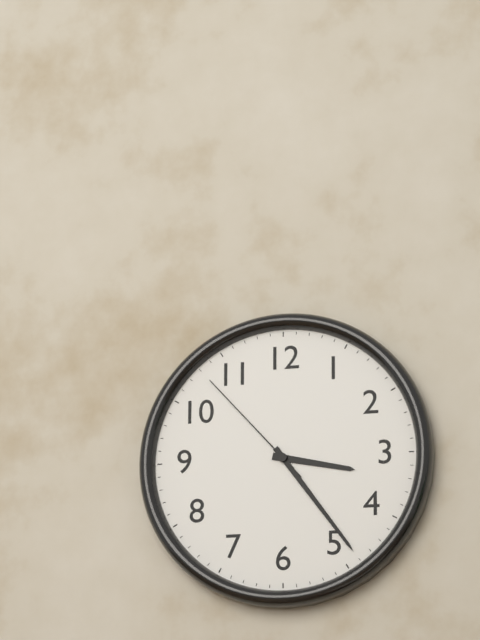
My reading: 3:24:53
